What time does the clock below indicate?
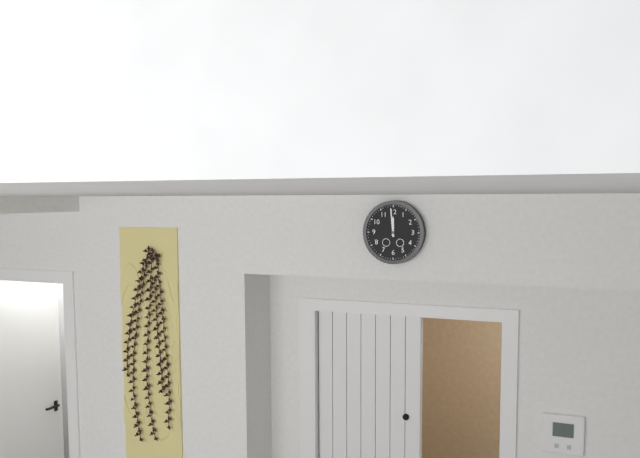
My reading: 11:59
